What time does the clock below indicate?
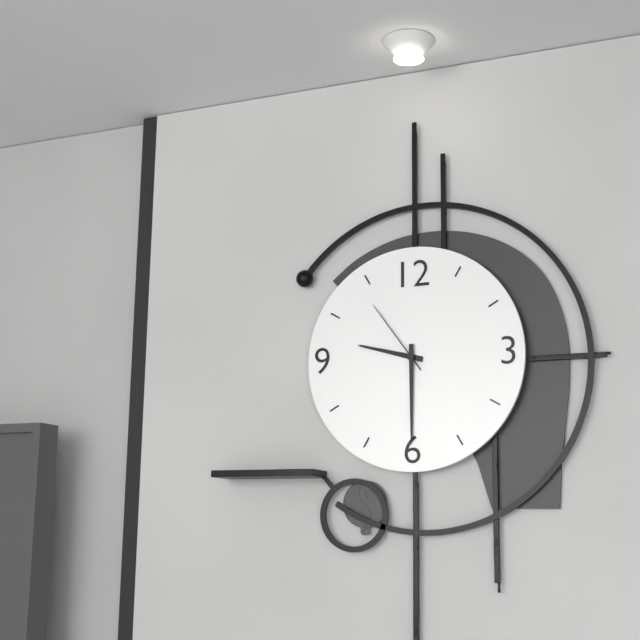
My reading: 9:30:54
